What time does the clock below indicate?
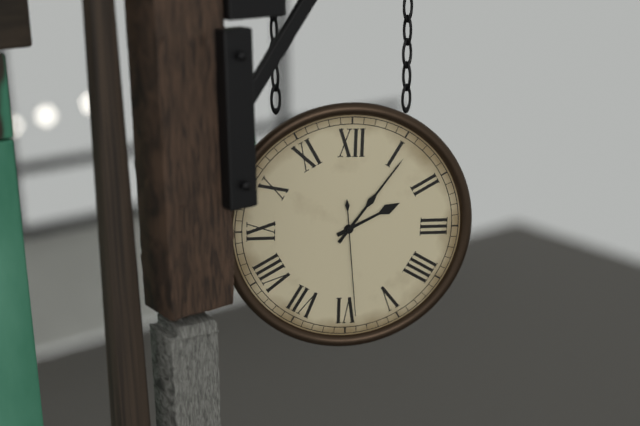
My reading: 2:06:29
